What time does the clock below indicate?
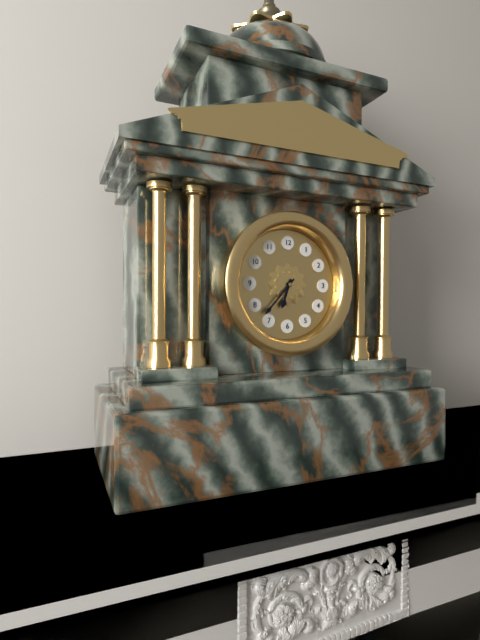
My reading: 6:37
